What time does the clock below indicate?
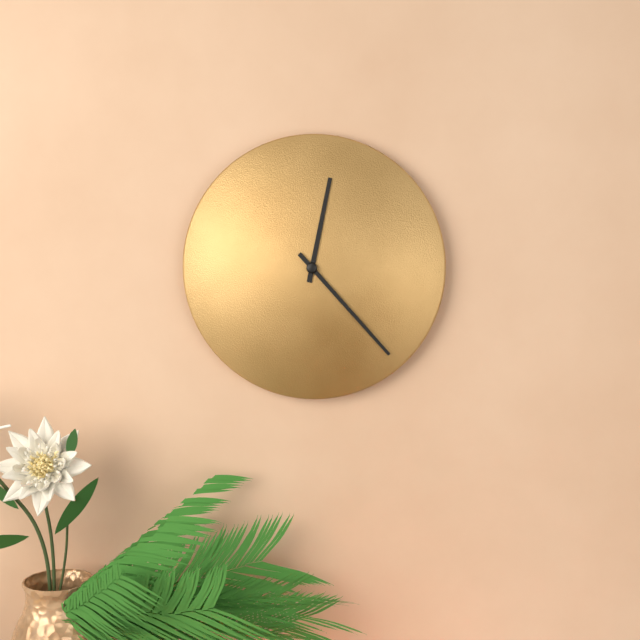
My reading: 12:23
